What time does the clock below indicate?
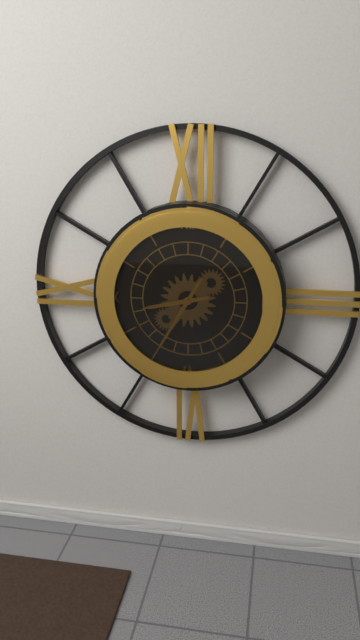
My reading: 8:35
